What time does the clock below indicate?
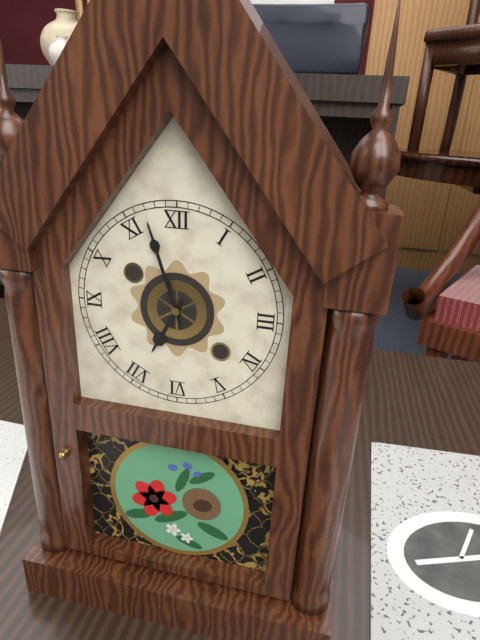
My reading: 6:57
